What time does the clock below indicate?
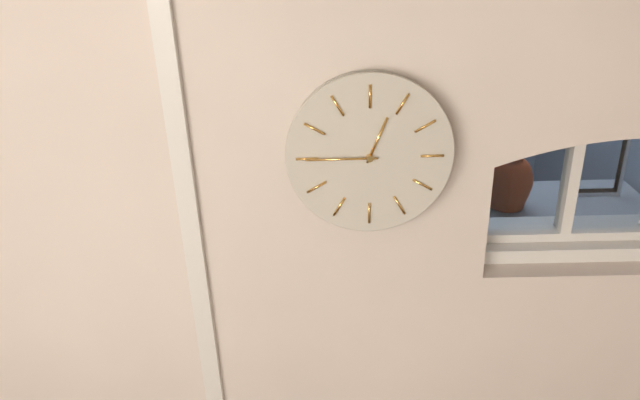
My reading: 12:45
